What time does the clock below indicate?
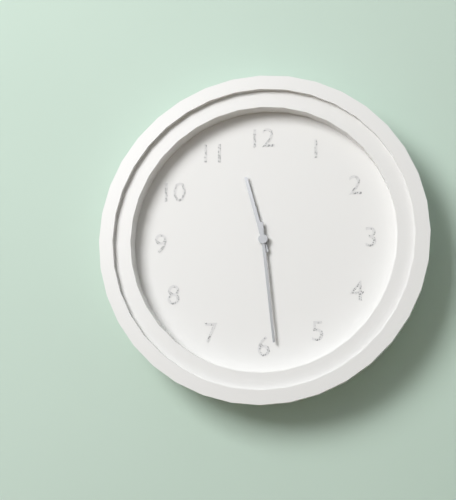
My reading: 11:29
